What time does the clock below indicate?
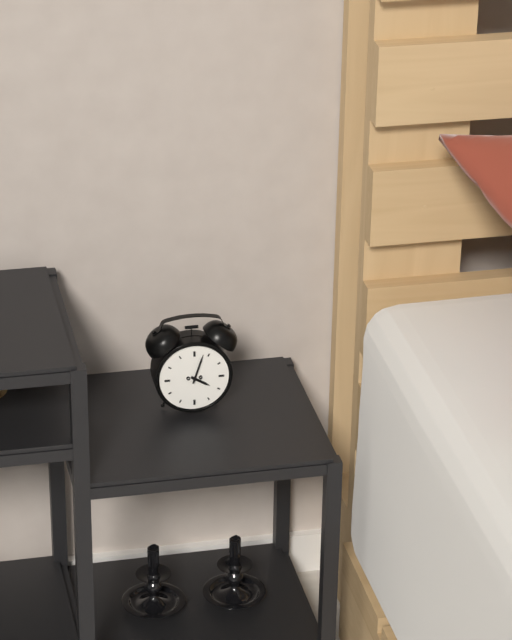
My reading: 4:03
